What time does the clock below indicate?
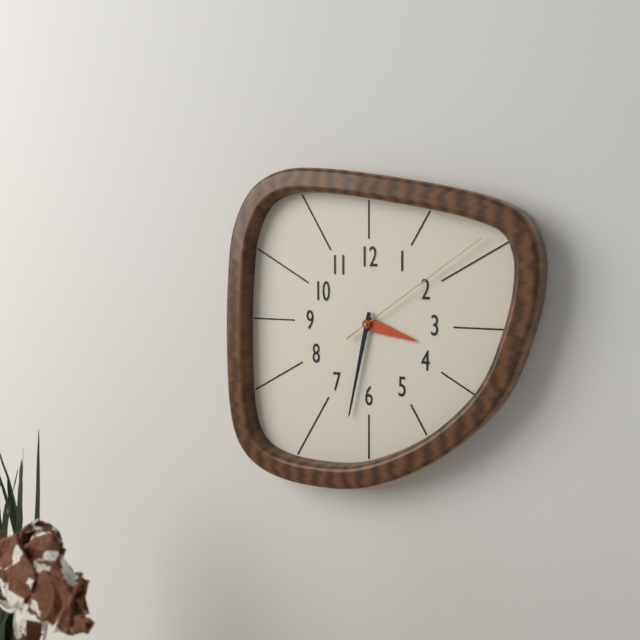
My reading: 3:32:09
